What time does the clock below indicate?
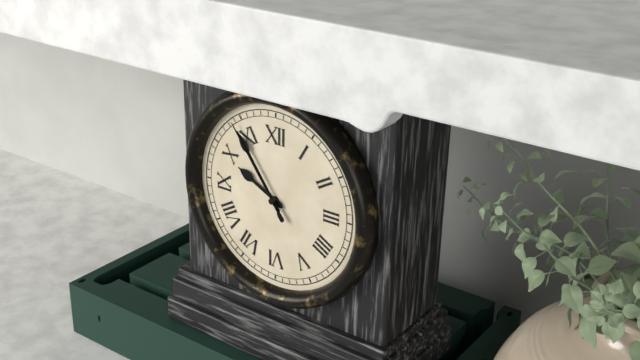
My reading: 9:54:54
